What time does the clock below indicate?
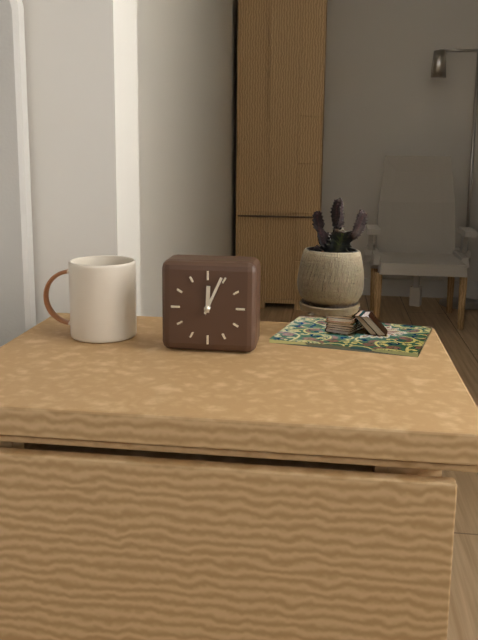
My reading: 12:04
